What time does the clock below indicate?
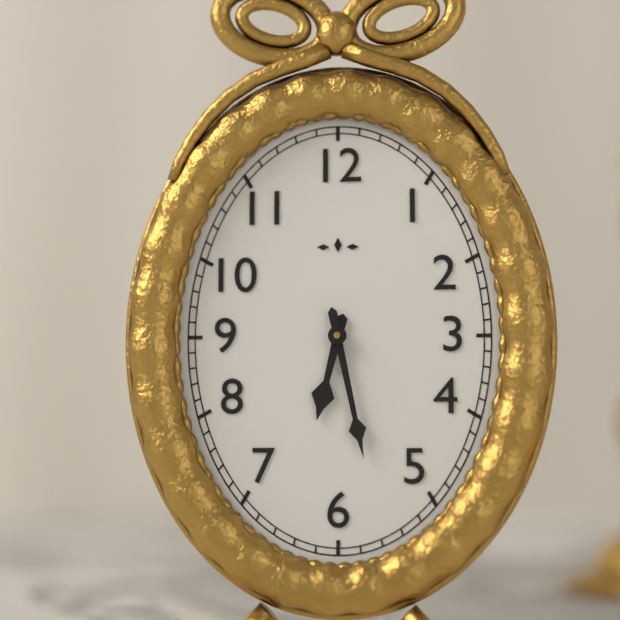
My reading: 6:28
